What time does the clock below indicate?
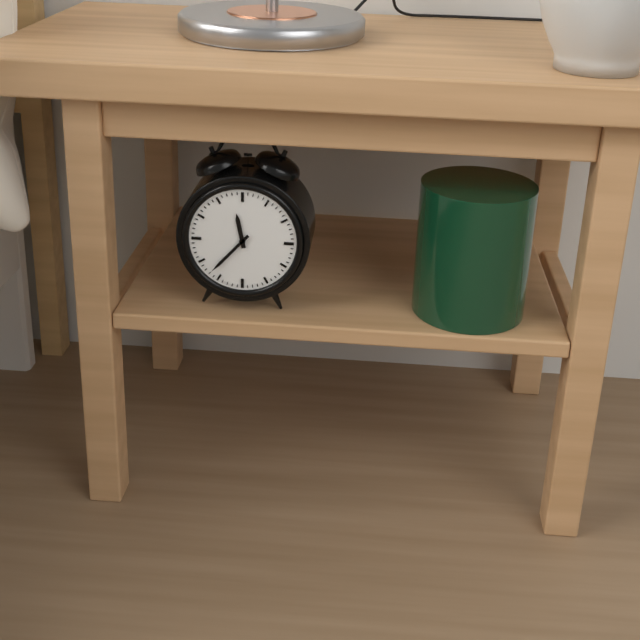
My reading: 11:37
